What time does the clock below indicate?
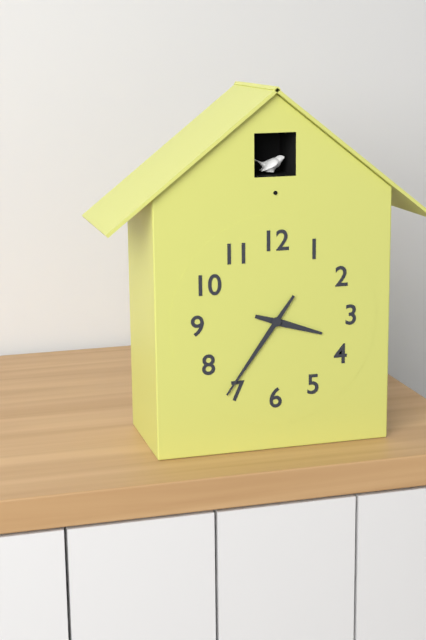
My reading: 3:36
